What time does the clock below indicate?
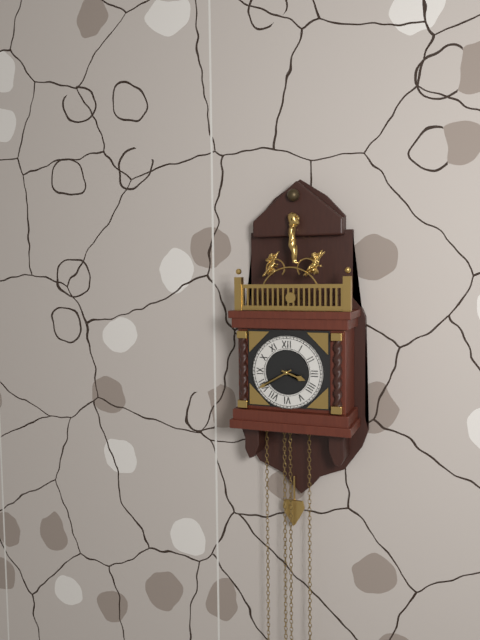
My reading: 3:40
